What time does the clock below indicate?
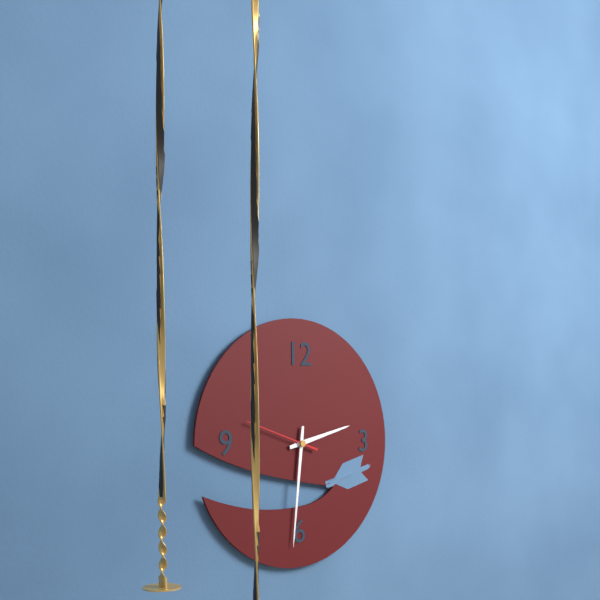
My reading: 2:31:48
